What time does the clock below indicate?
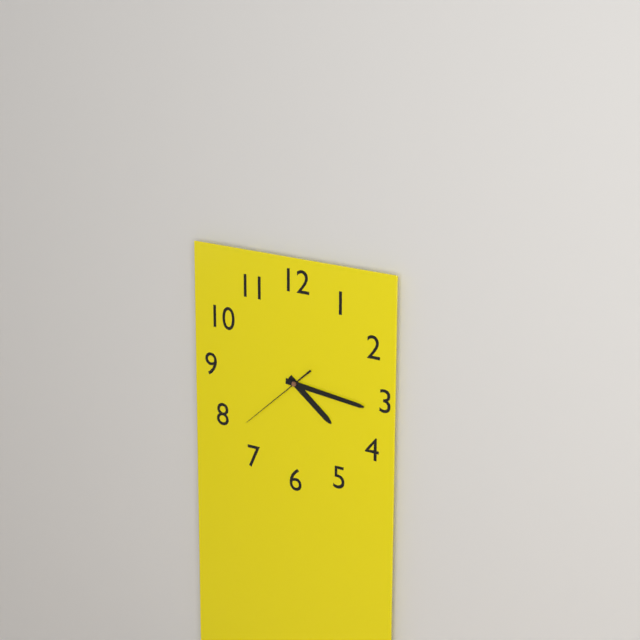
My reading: 4:16:38
